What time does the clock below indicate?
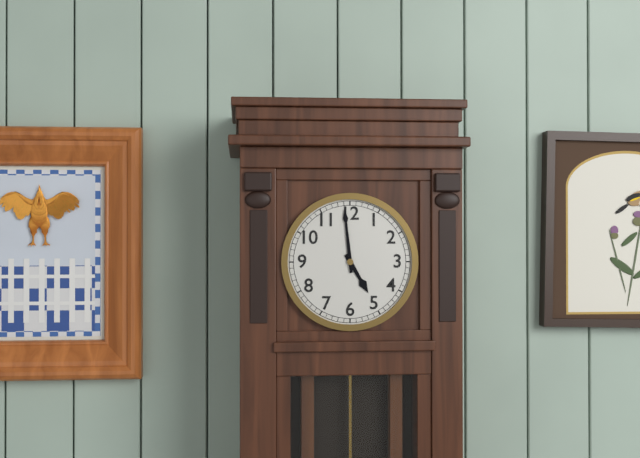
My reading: 4:59
